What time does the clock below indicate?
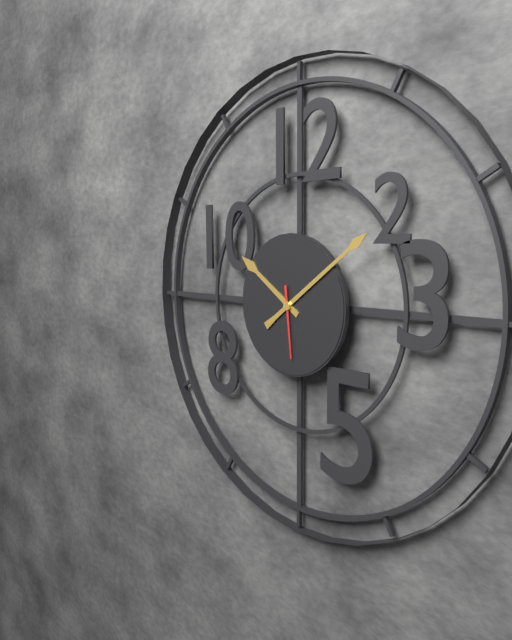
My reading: 10:09:29
